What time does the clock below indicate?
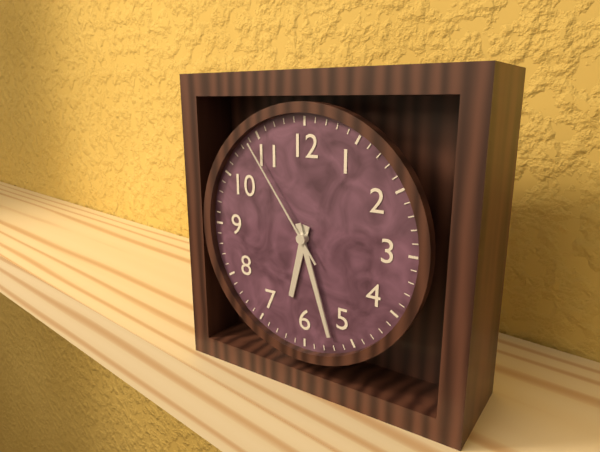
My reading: 6:27:54
